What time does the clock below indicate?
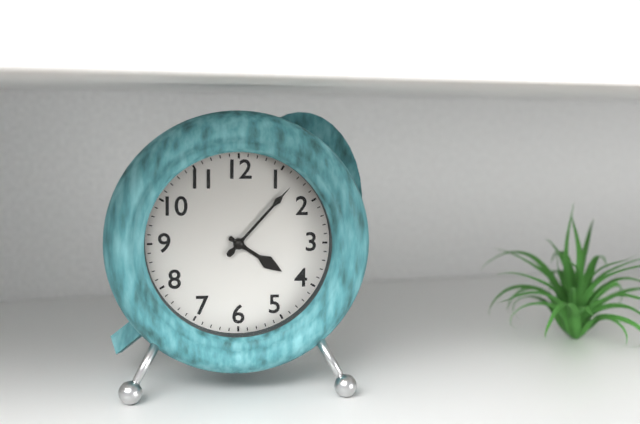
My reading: 4:07
